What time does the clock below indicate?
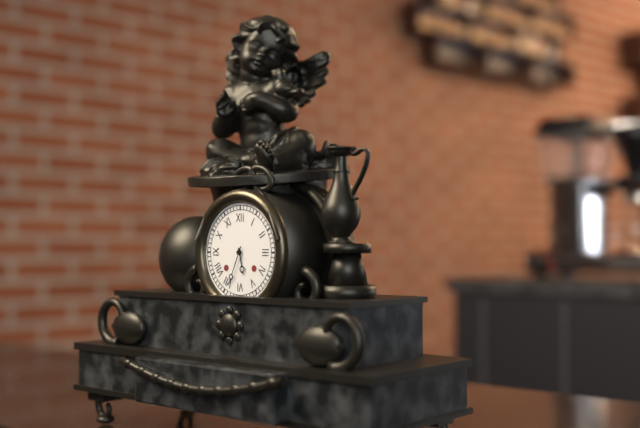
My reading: 5:34
